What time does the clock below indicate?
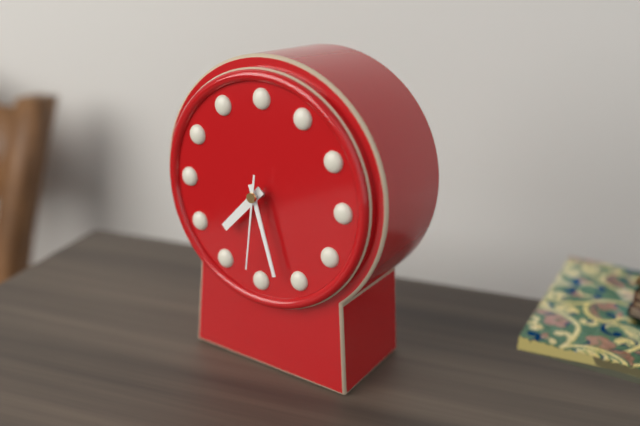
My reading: 7:27:31
